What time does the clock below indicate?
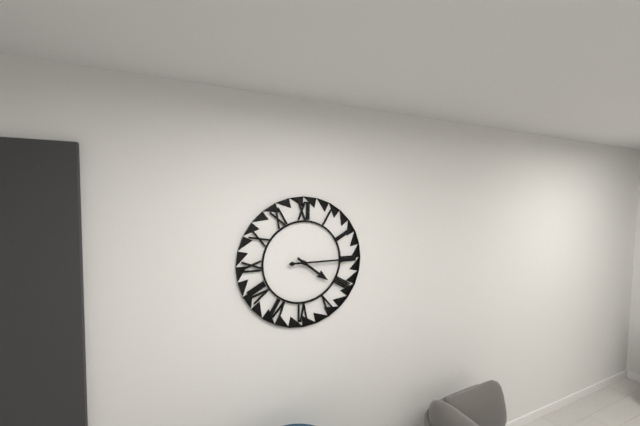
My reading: 4:15
